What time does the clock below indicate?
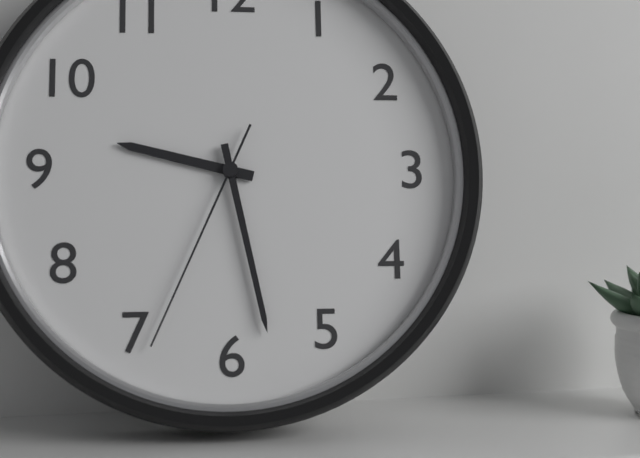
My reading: 9:28:34
